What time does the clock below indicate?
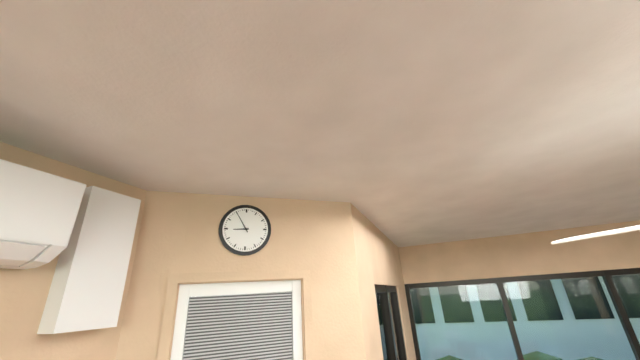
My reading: 8:55
